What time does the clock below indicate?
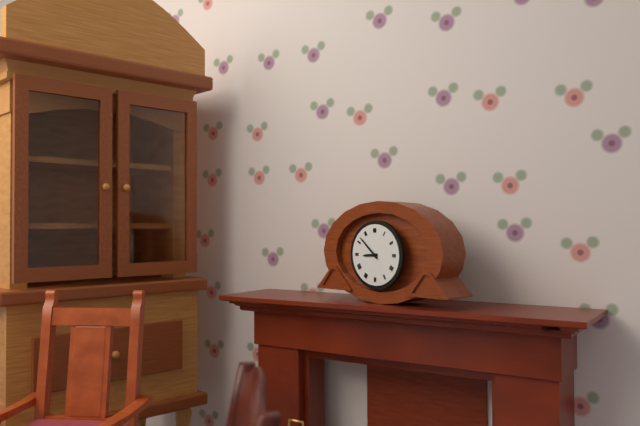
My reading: 8:52
